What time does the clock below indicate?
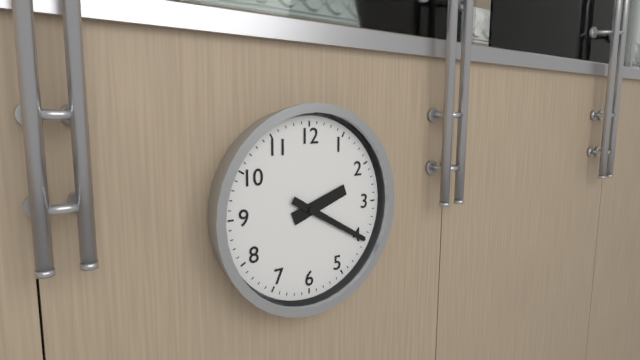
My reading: 2:20
